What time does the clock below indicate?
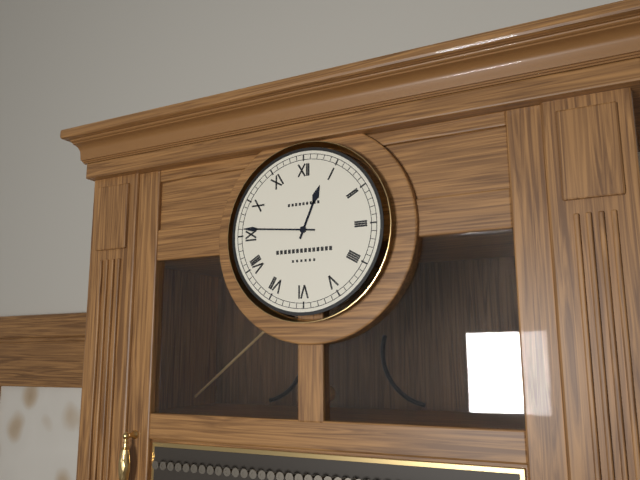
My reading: 12:46
